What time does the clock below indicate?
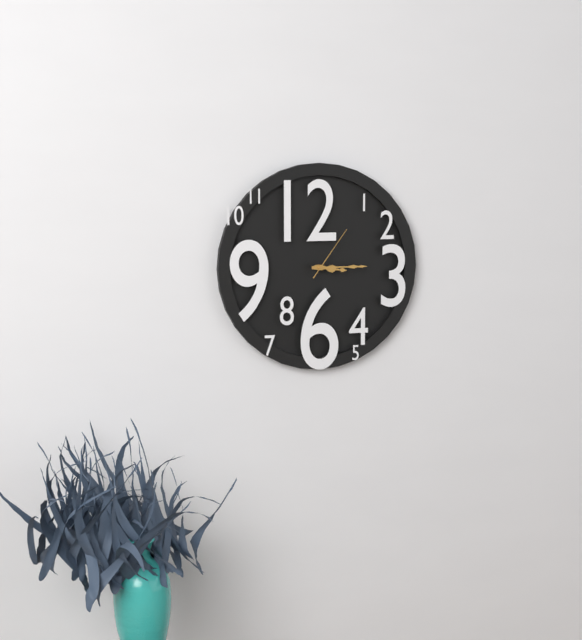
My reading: 3:15:06
